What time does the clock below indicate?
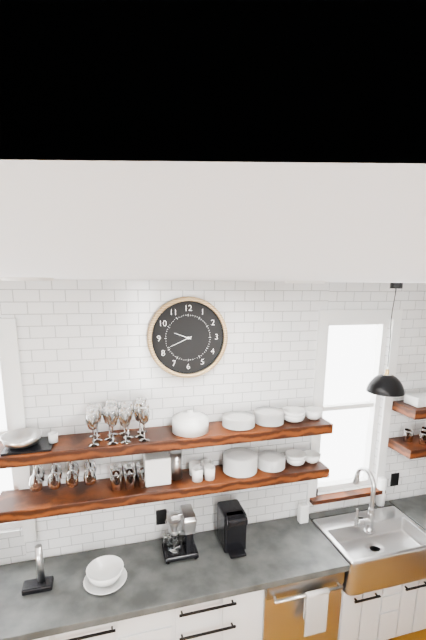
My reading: 9:41
